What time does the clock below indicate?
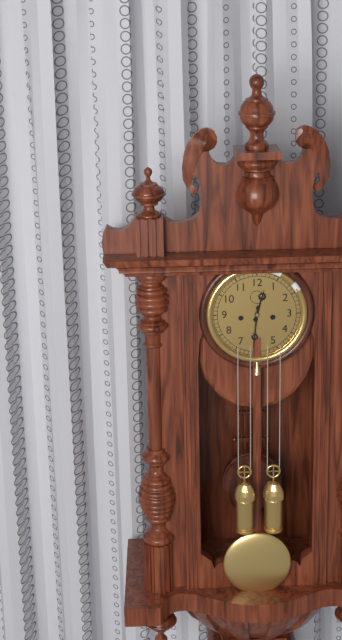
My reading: 12:31
